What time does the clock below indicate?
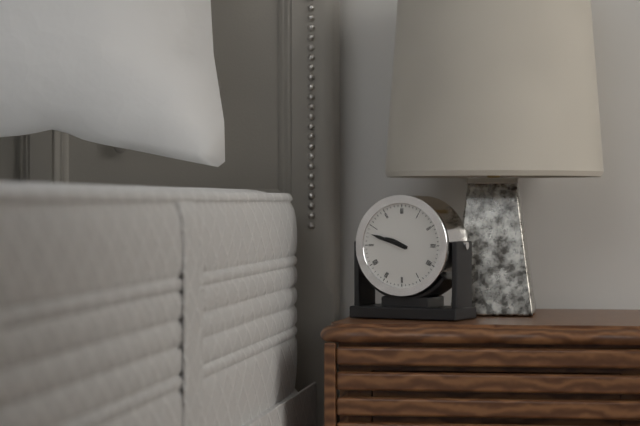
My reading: 9:48
